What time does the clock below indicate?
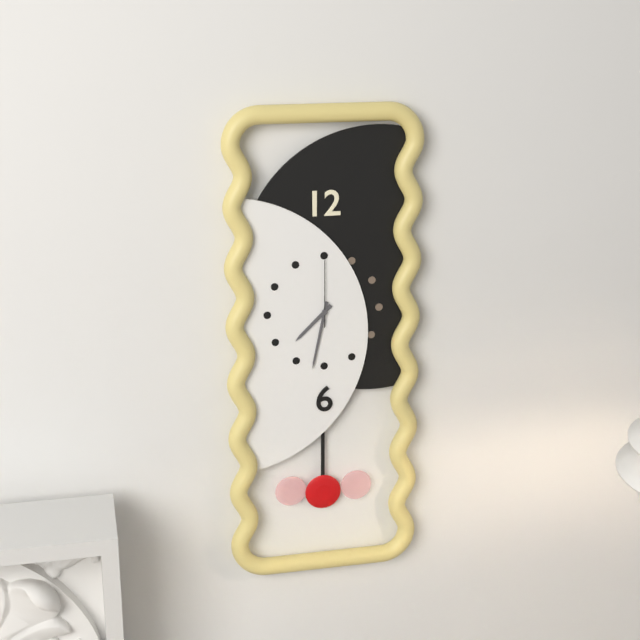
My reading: 7:32:00
